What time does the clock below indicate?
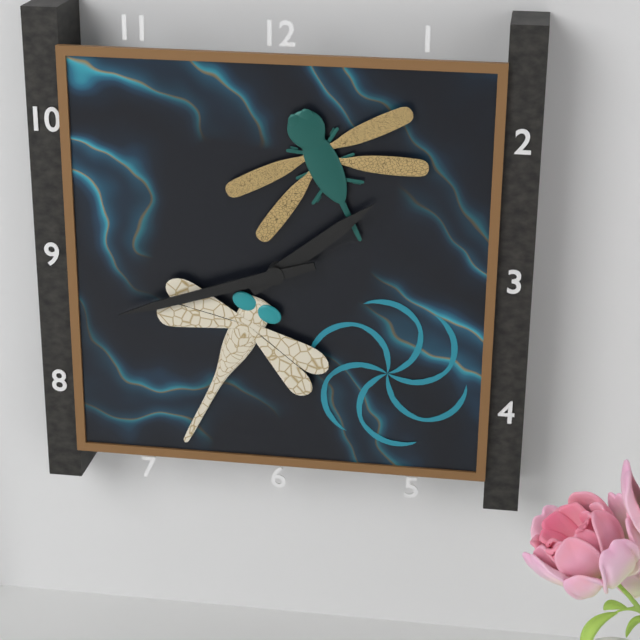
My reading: 1:42
